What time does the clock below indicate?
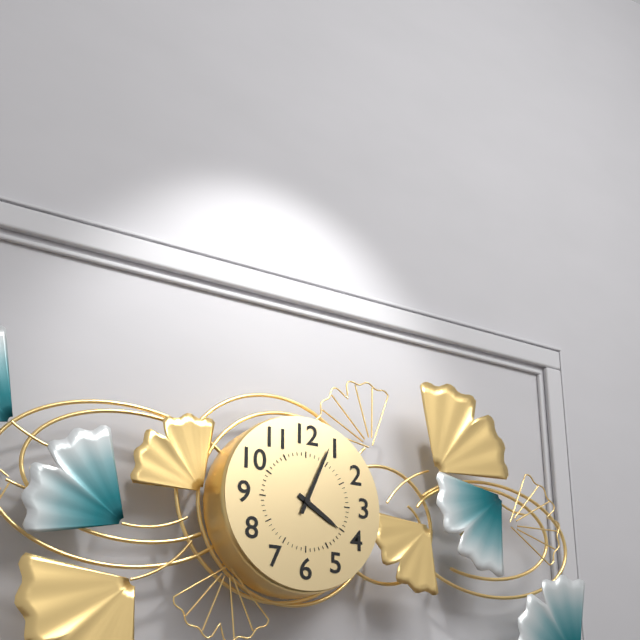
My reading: 4:04
